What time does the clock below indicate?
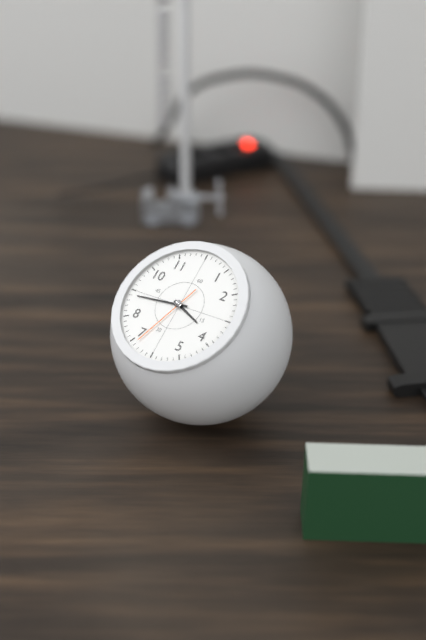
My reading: 3:44:34
